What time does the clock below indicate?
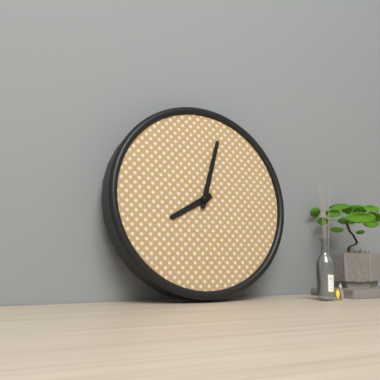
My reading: 8:03
